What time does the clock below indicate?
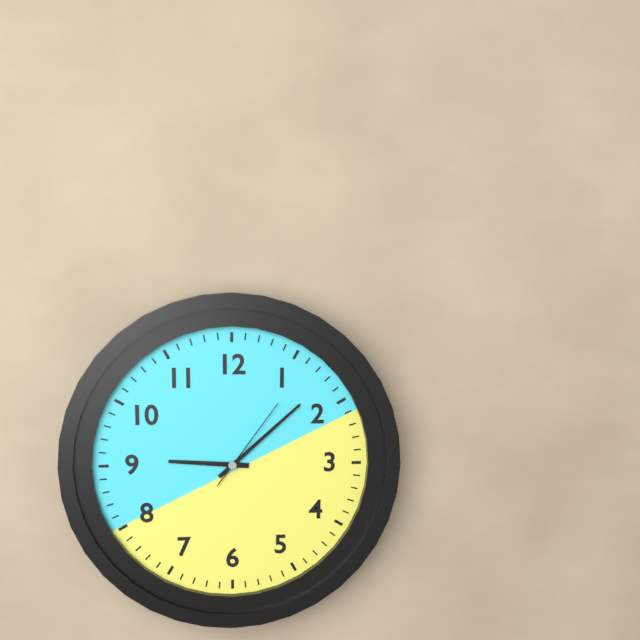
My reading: 9:08:06
